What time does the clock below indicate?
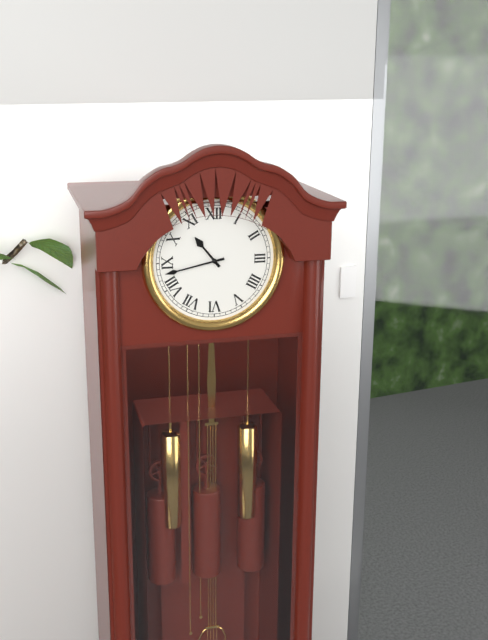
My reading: 10:43
